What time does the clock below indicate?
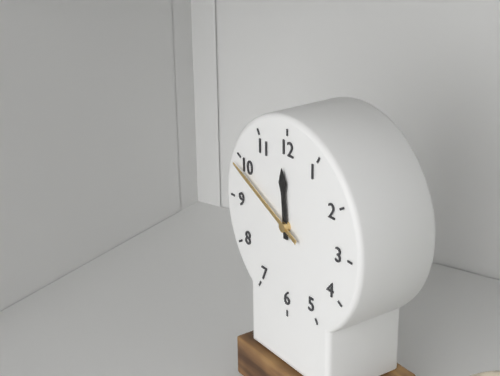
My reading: 11:49
